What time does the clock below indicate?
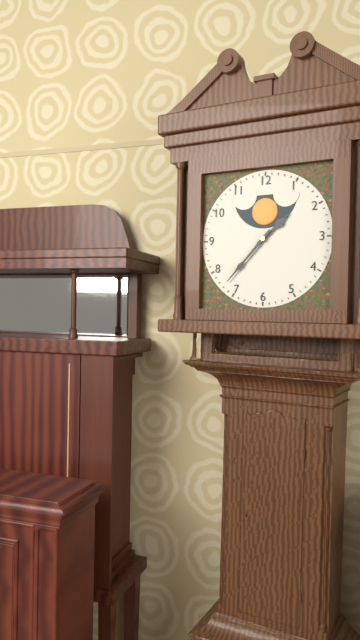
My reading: 1:37
